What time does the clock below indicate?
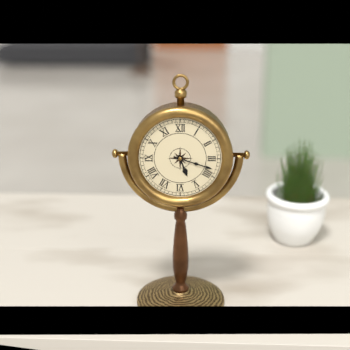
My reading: 5:18
